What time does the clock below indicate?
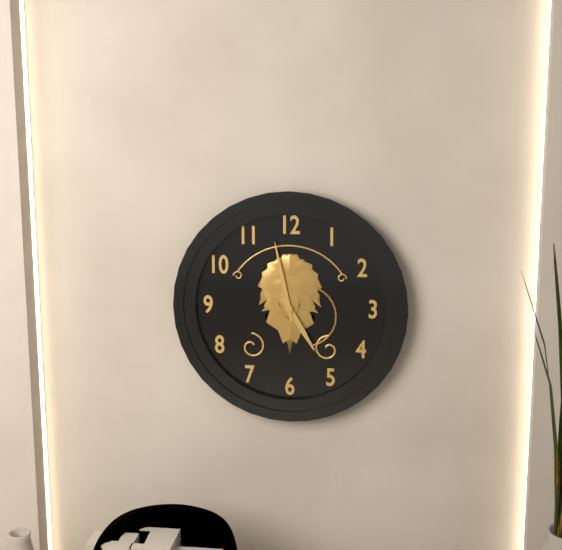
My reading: 4:58
